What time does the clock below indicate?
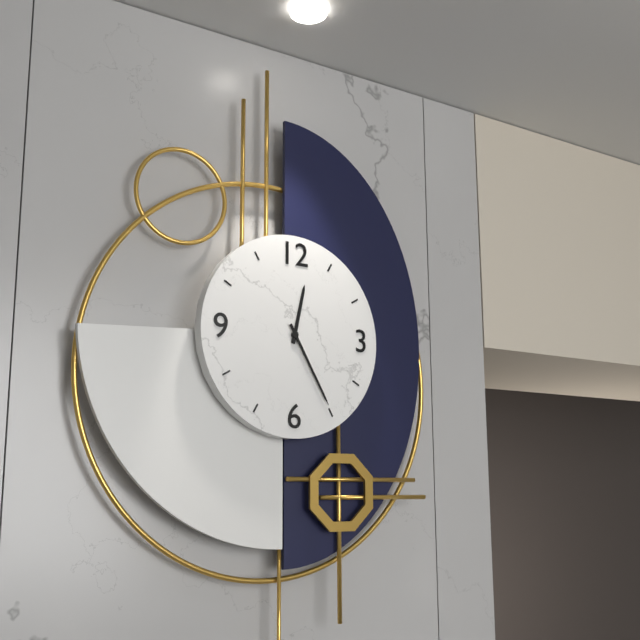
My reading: 12:25
